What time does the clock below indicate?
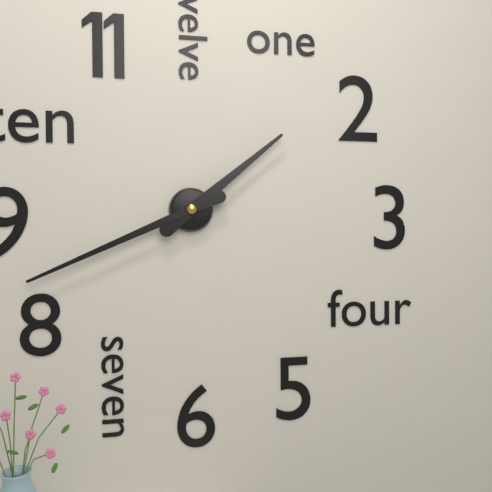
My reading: 1:41
